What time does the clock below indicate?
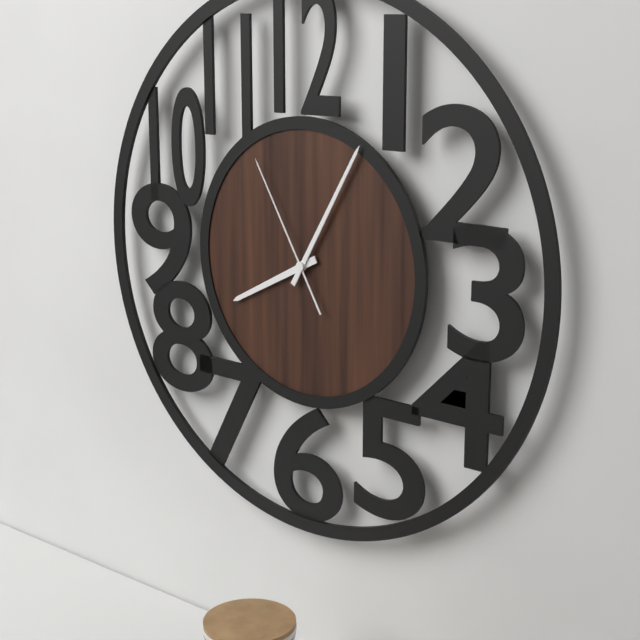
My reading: 8:05:55
